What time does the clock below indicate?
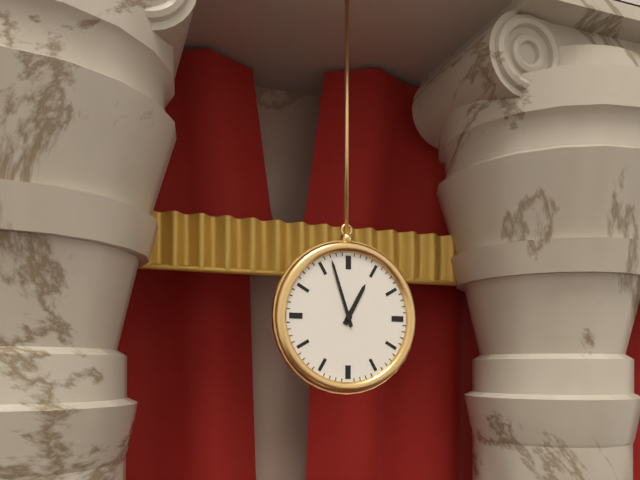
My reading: 12:57
